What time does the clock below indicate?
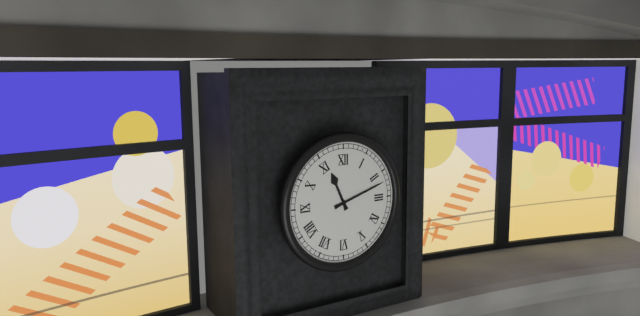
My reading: 11:12
